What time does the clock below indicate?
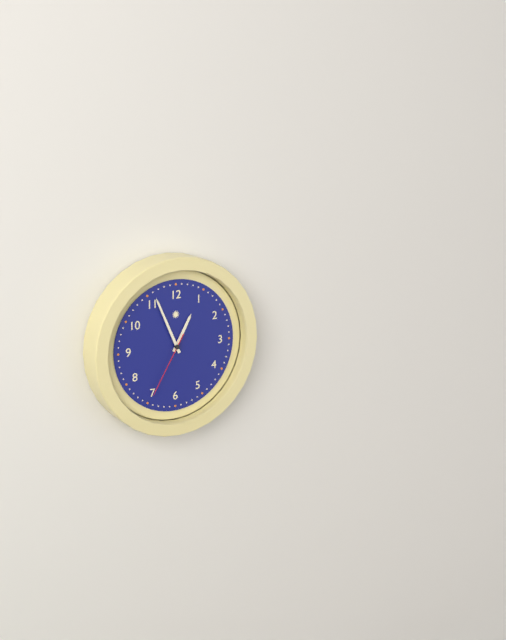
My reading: 12:56:35
